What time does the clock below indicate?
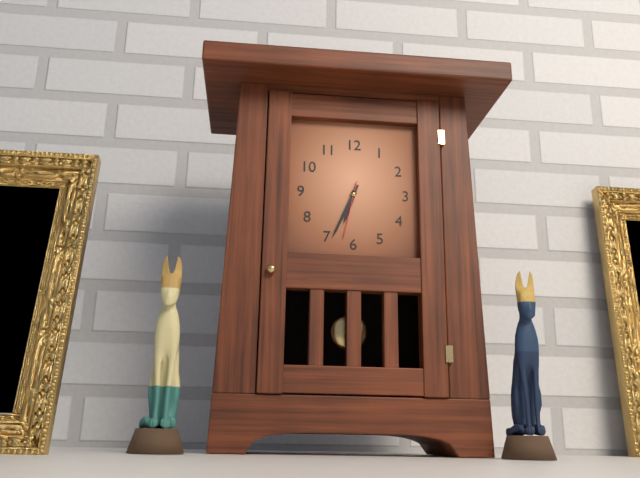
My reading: 6:34:32
